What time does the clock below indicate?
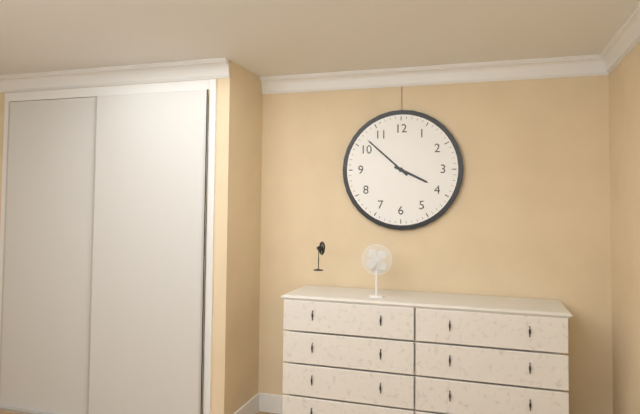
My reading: 3:52
